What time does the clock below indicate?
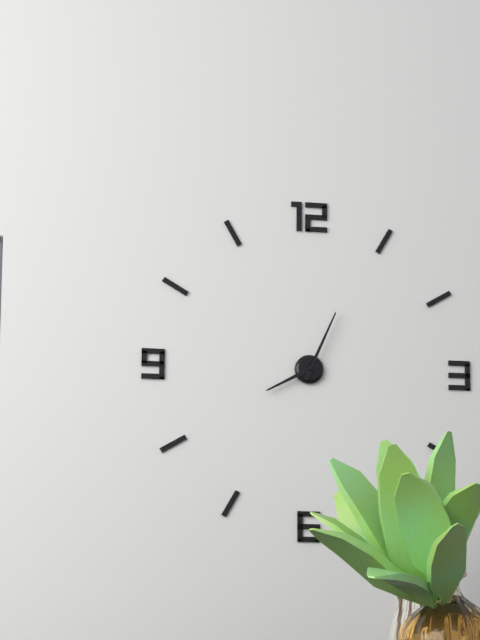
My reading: 8:04
